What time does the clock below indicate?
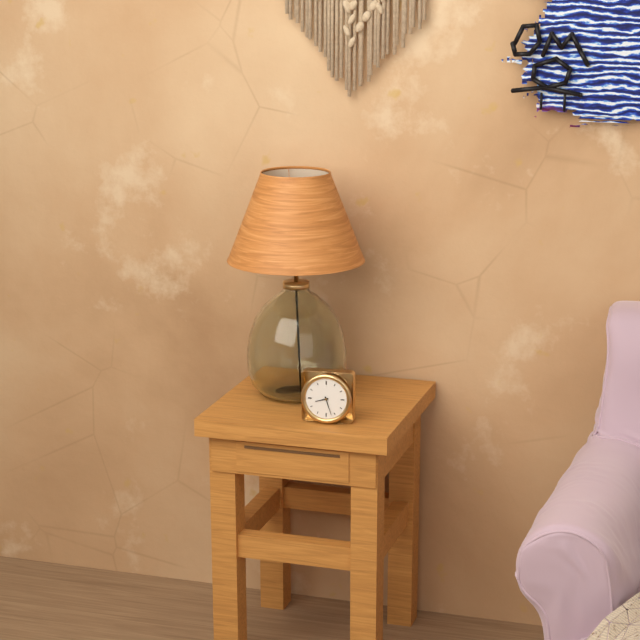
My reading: 8:27
